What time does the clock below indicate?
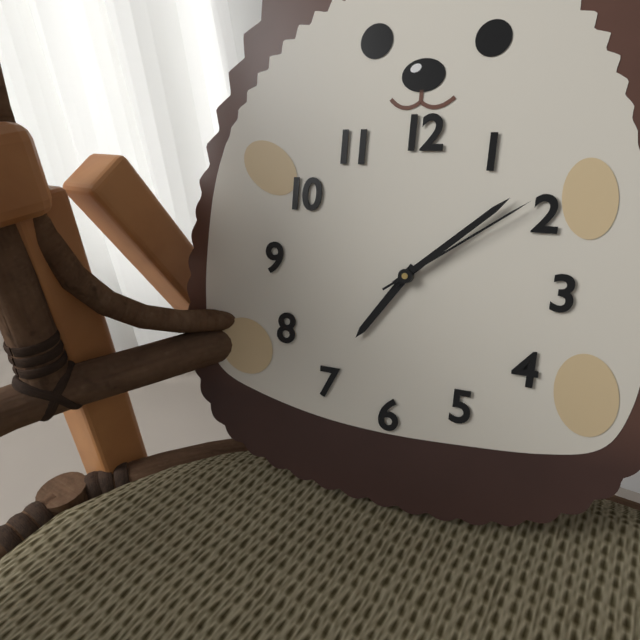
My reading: 7:08:09
